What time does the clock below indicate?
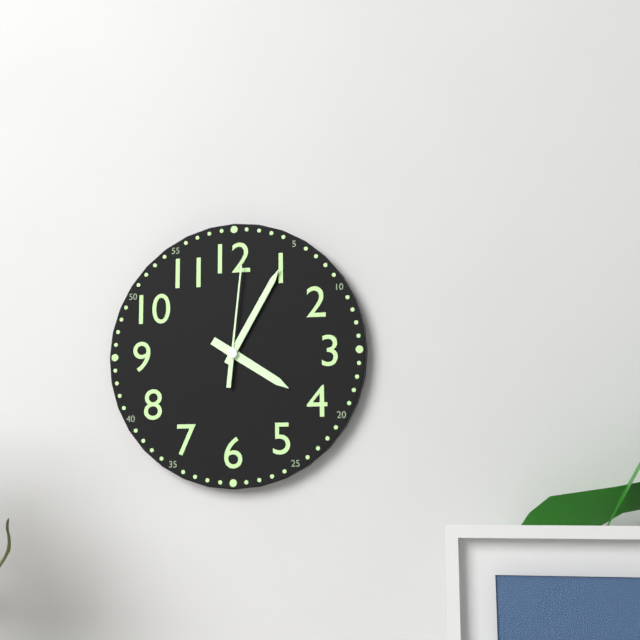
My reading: 4:05:01
